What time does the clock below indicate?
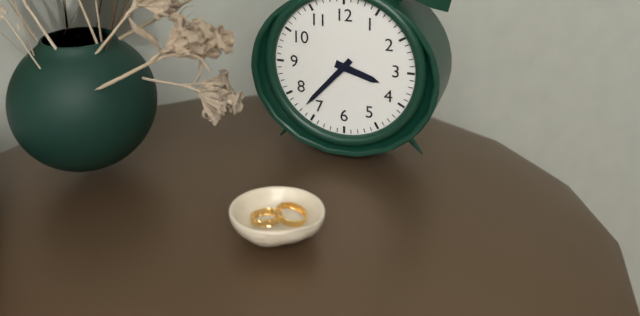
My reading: 3:37
